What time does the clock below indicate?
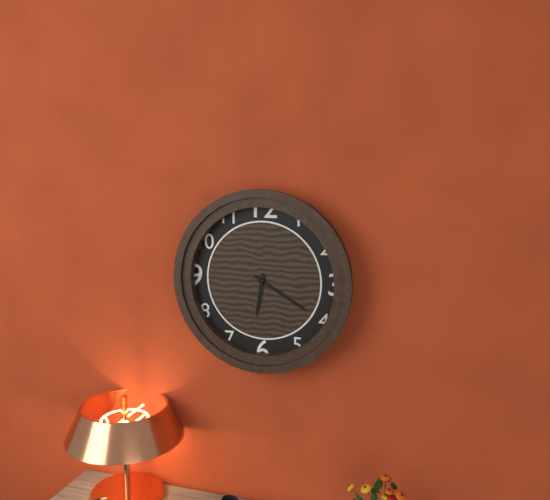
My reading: 6:20
